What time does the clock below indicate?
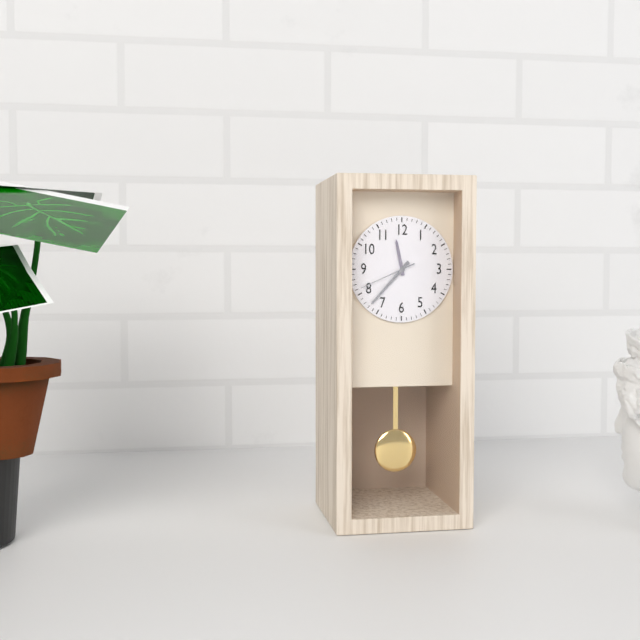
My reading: 11:37:41
